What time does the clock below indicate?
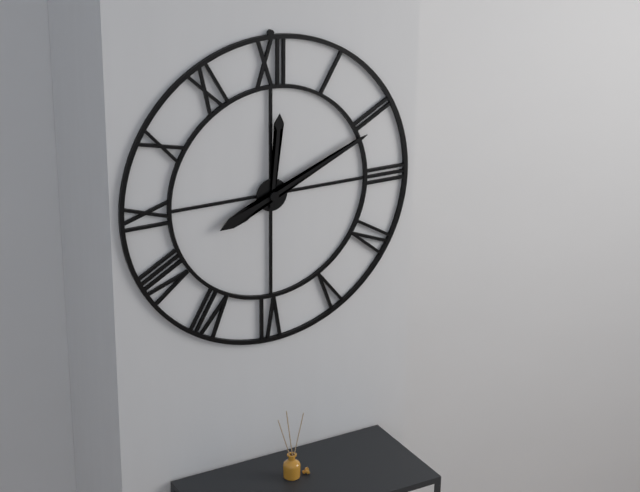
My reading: 12:11
